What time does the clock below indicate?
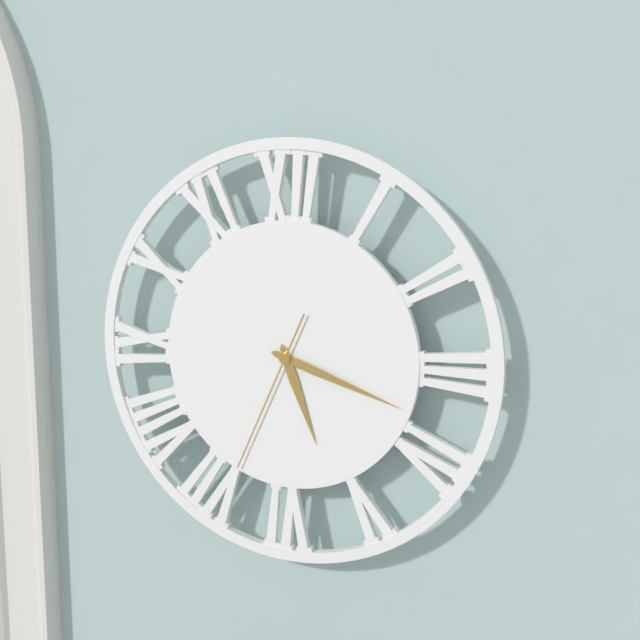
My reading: 5:18:34
